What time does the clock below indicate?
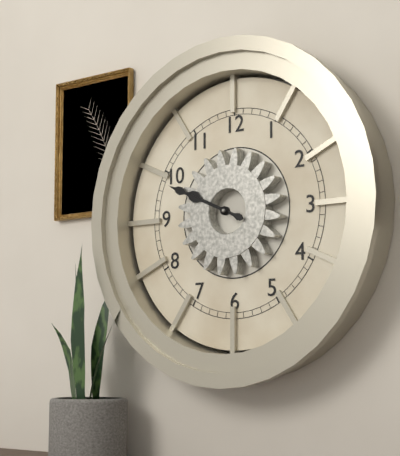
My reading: 9:49
